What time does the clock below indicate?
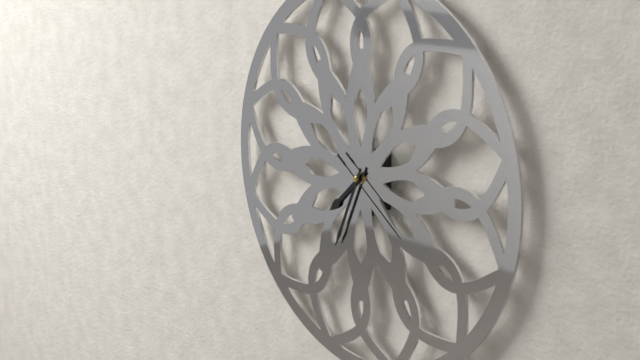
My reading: 7:34:21
